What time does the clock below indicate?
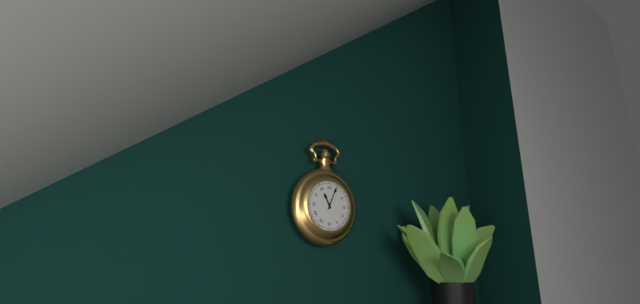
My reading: 11:04
